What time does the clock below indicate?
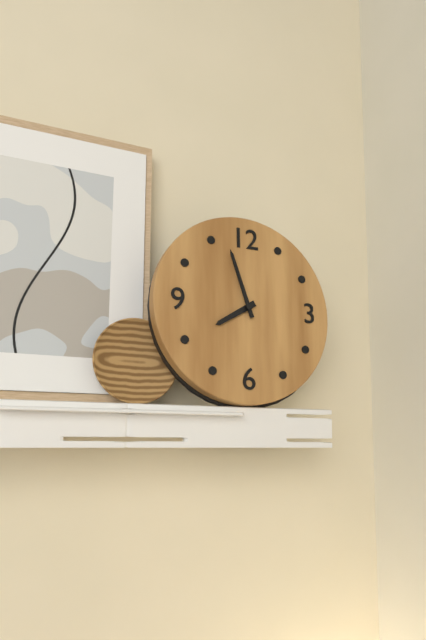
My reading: 7:57
